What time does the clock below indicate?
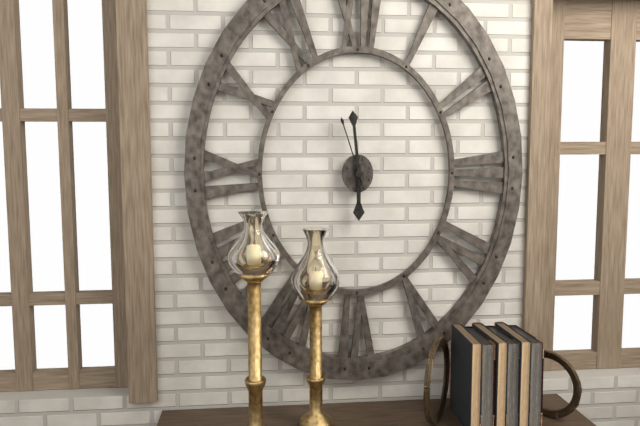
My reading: 5:59:57
